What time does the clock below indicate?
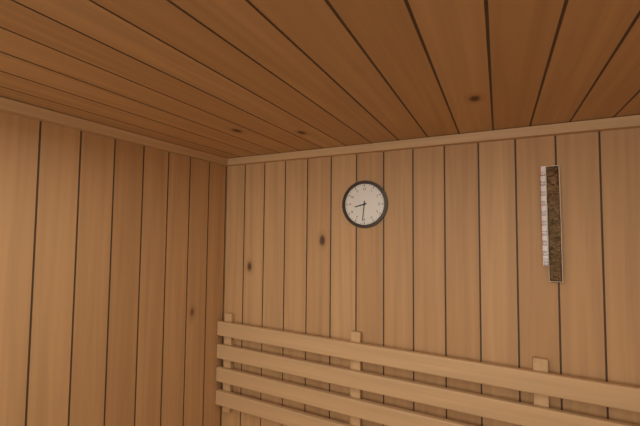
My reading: 8:31
